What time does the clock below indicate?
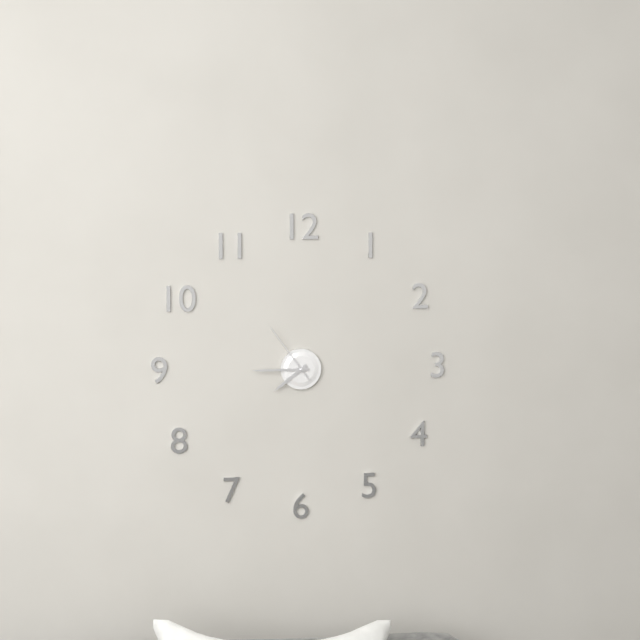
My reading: 7:45:54
